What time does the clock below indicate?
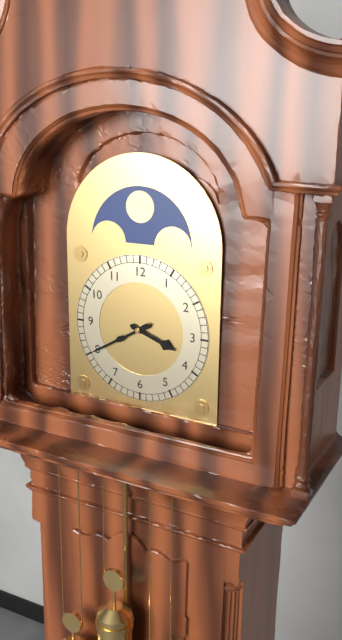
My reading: 3:40
